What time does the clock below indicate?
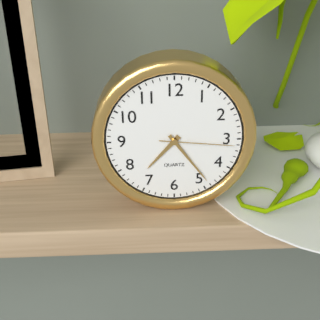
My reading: 7:24:16
